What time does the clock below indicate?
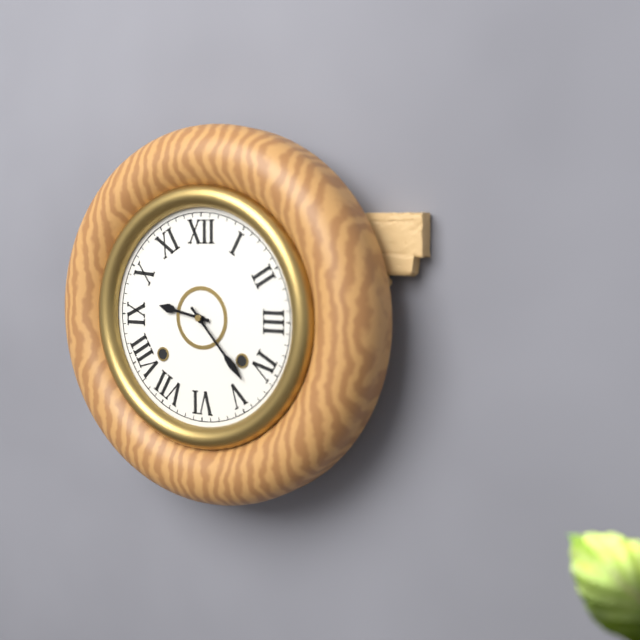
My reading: 9:23
